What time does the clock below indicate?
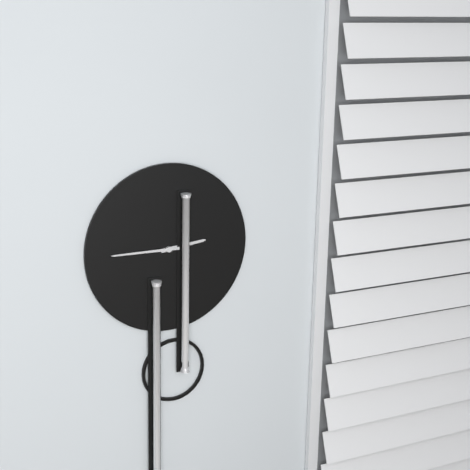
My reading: 2:45
